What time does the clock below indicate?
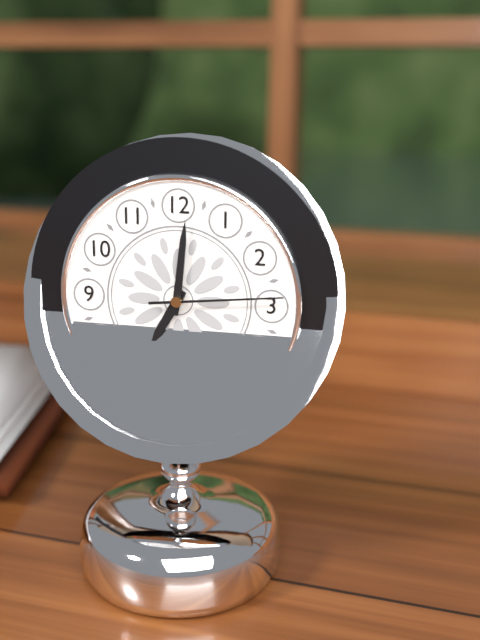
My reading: 7:01:14
